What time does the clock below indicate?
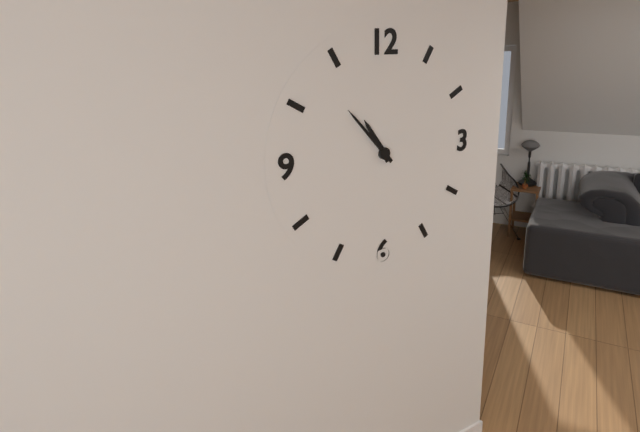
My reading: 10:53
